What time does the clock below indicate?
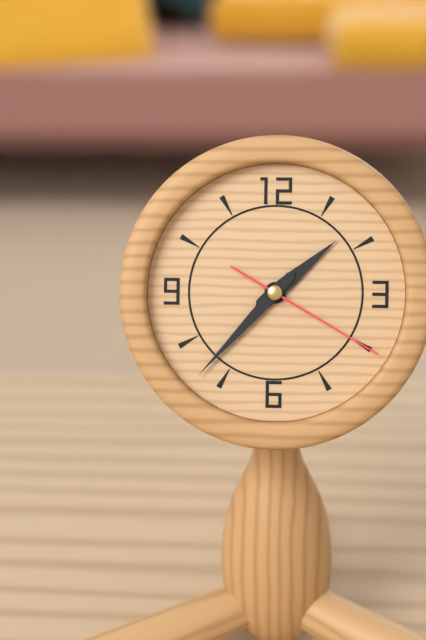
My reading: 1:37:20
